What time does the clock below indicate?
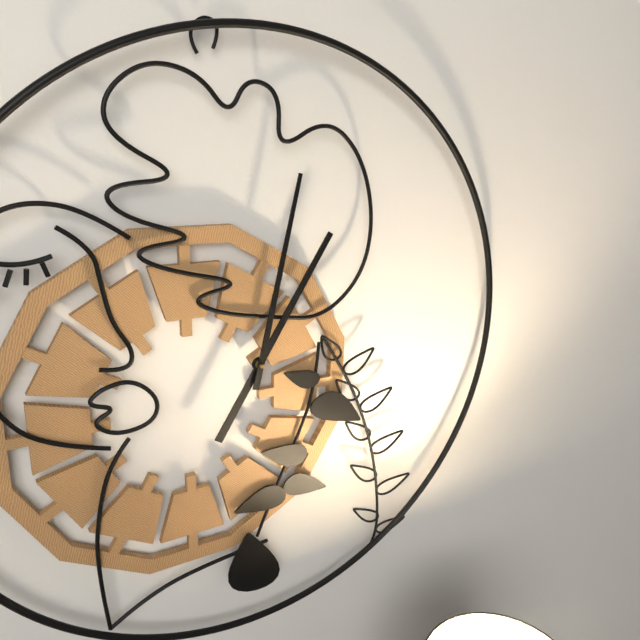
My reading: 1:02
